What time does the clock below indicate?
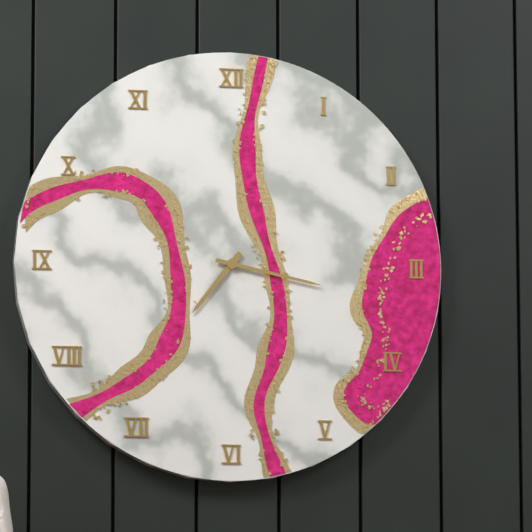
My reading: 7:17
